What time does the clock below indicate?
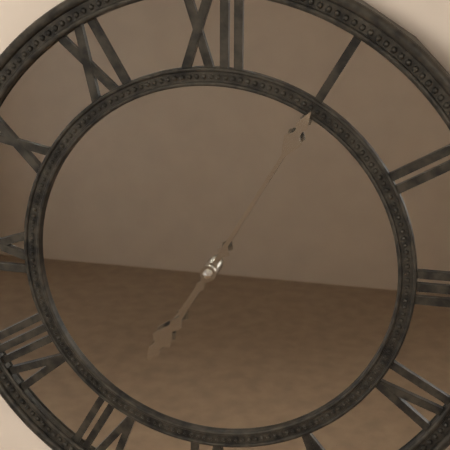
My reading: 7:05
